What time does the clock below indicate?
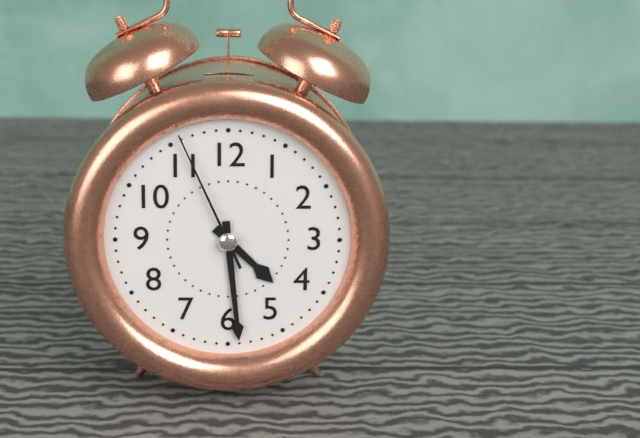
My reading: 4:29:56
